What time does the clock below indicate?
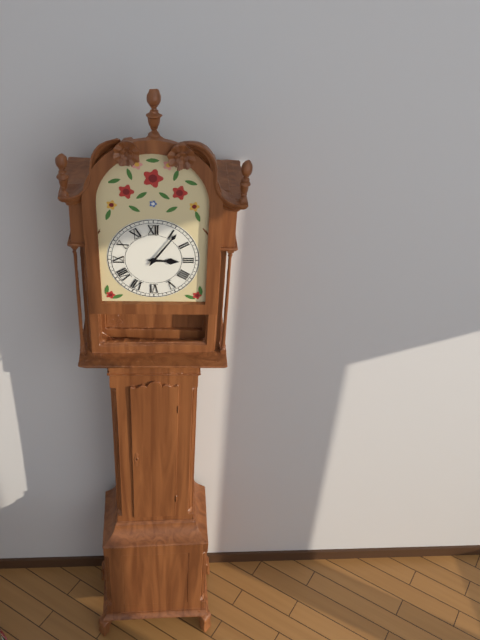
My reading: 3:06
